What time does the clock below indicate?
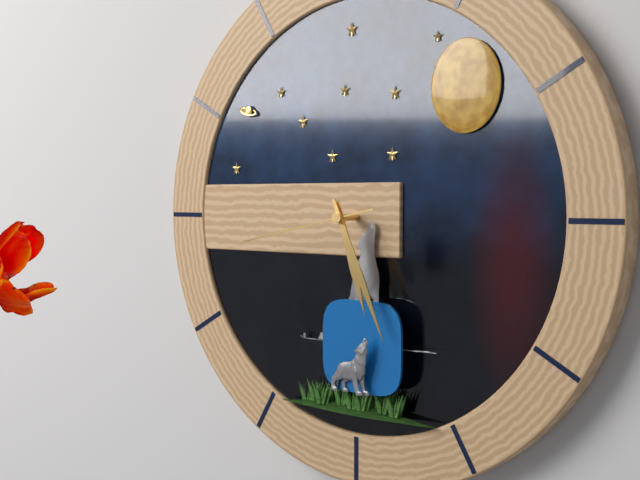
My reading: 5:26:43
